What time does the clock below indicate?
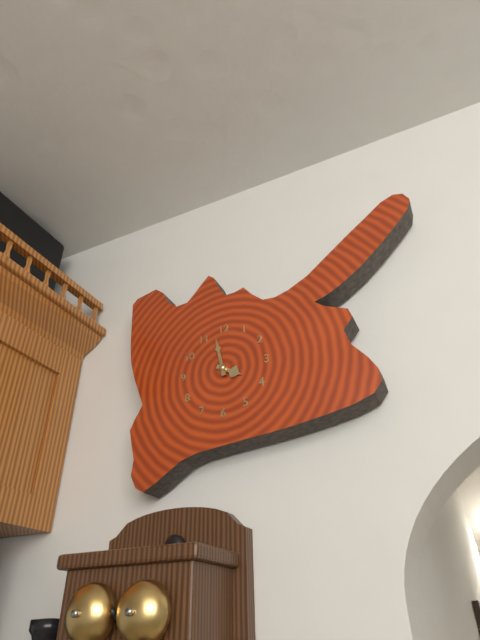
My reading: 3:58
